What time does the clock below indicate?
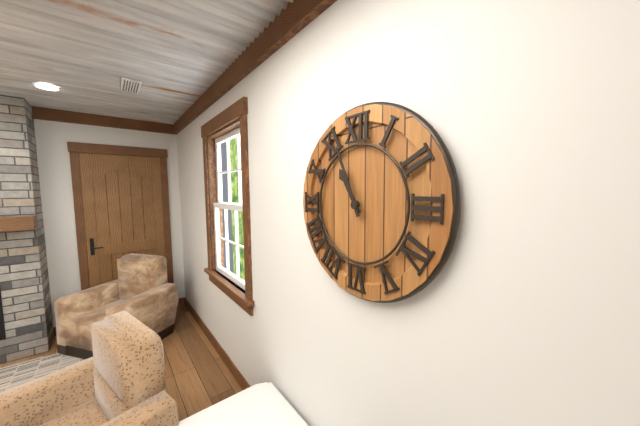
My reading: 10:56
